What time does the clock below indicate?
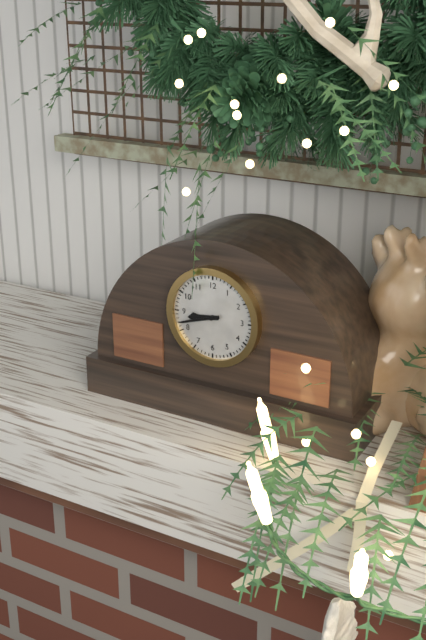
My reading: 8:42
